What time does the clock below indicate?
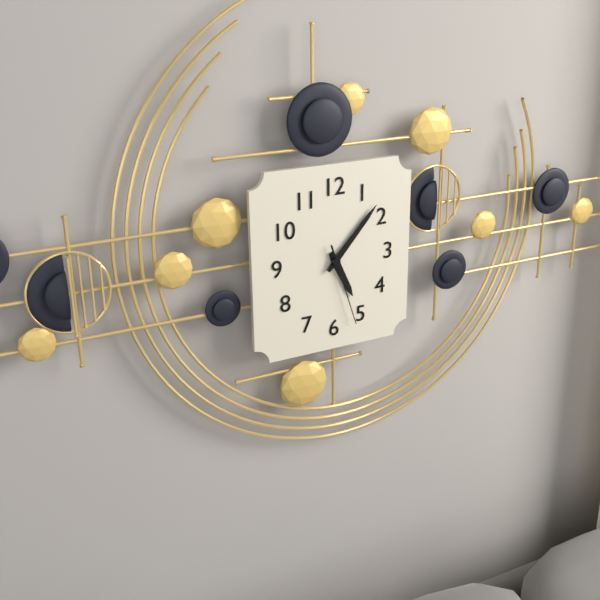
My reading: 5:07:27
